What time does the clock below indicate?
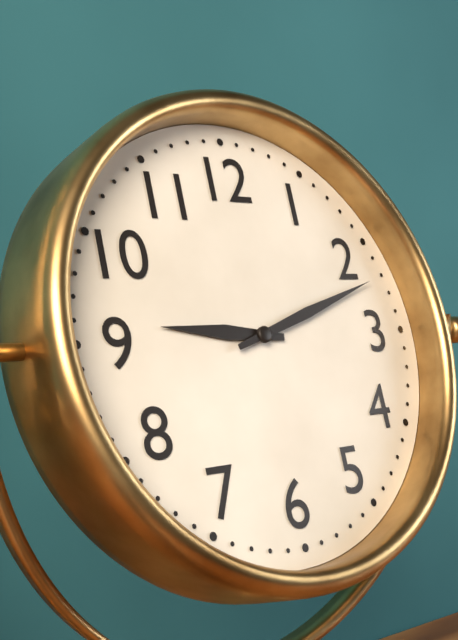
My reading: 9:12
